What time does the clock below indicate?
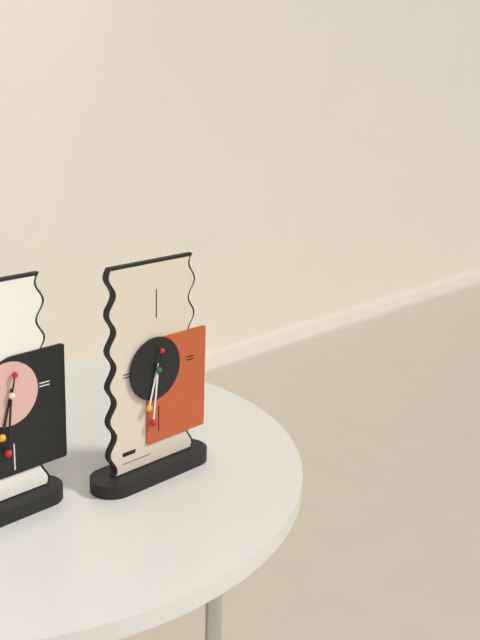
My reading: 6:31
